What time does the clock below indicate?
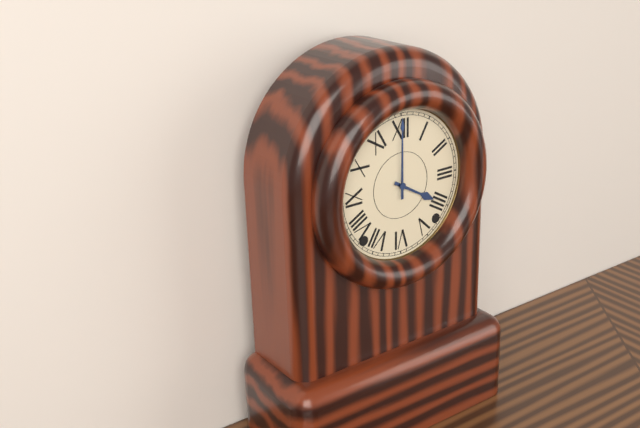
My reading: 4:00
